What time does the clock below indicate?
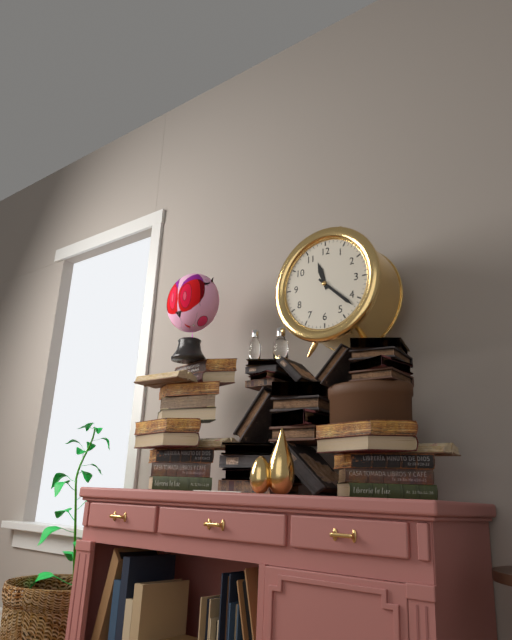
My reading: 11:22
